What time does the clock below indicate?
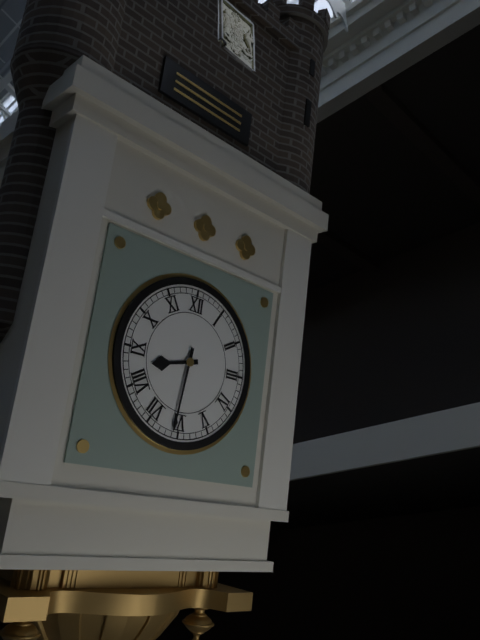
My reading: 8:31
